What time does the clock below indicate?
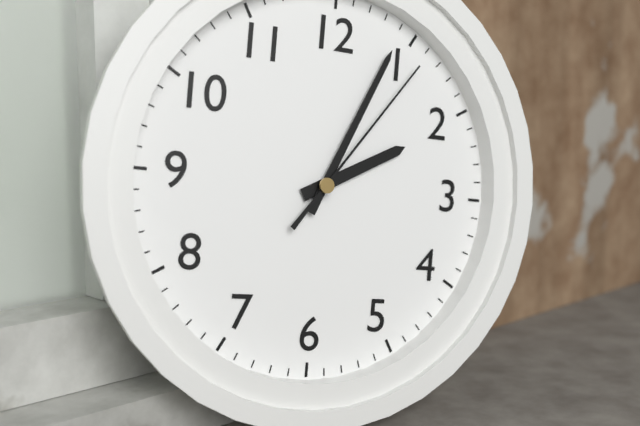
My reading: 2:04:06
